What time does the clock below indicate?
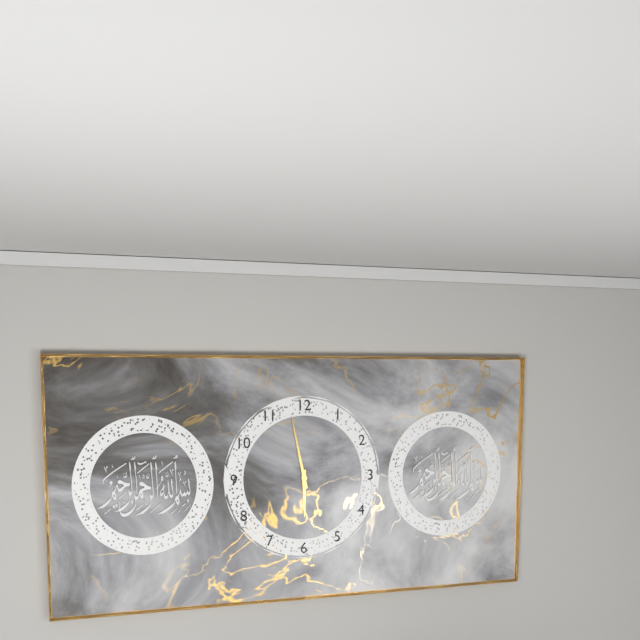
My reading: 5:58
